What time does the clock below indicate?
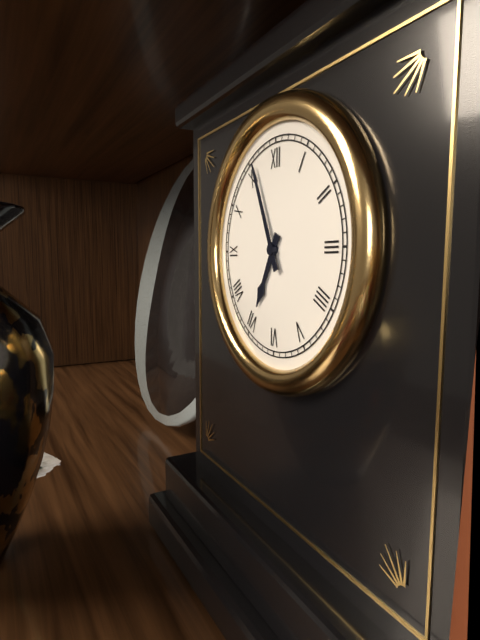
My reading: 6:56
